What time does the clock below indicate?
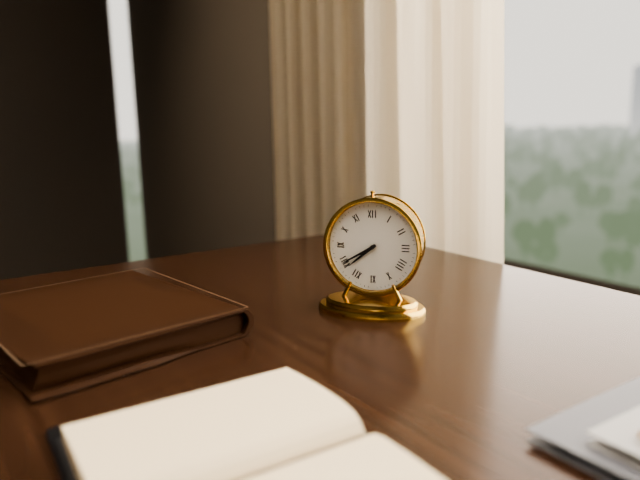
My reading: 7:40
